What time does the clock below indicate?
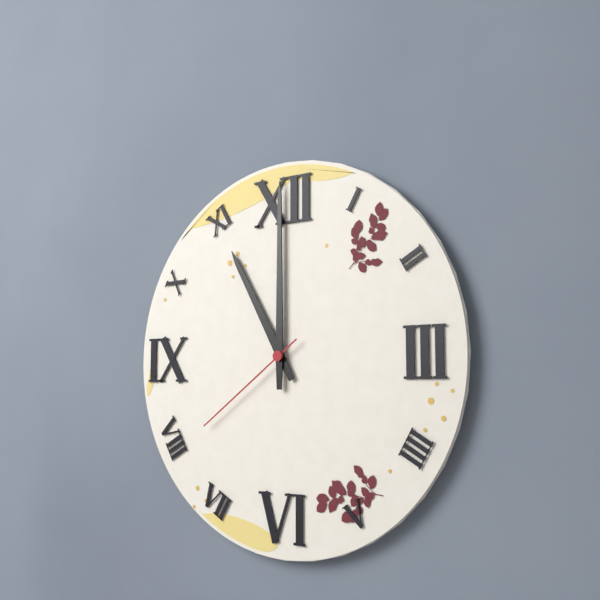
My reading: 11:00:39
